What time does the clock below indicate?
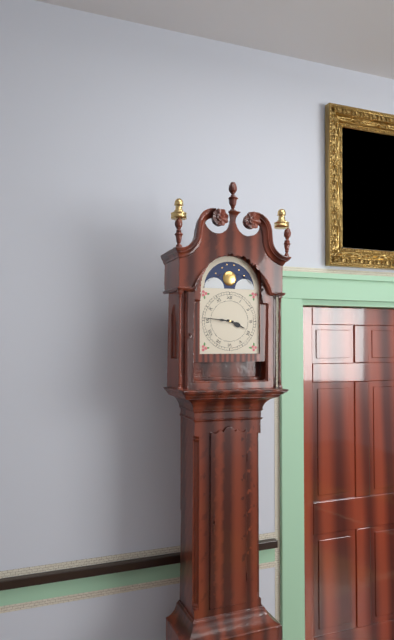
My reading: 3:46
